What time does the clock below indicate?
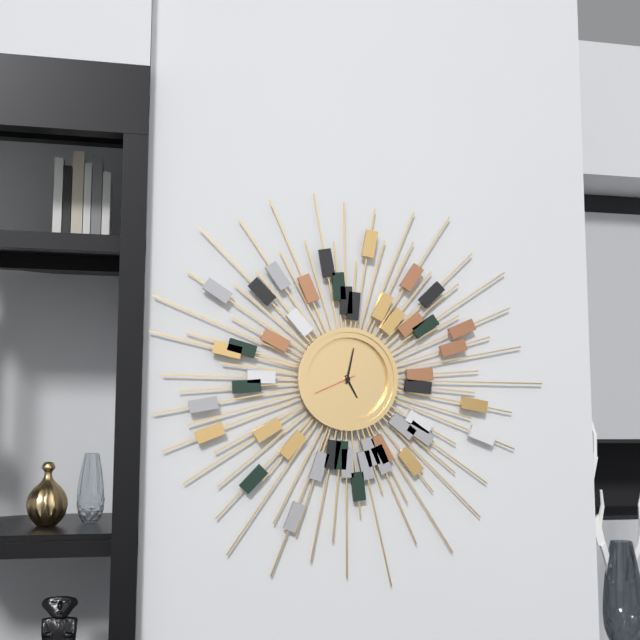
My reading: 5:02
